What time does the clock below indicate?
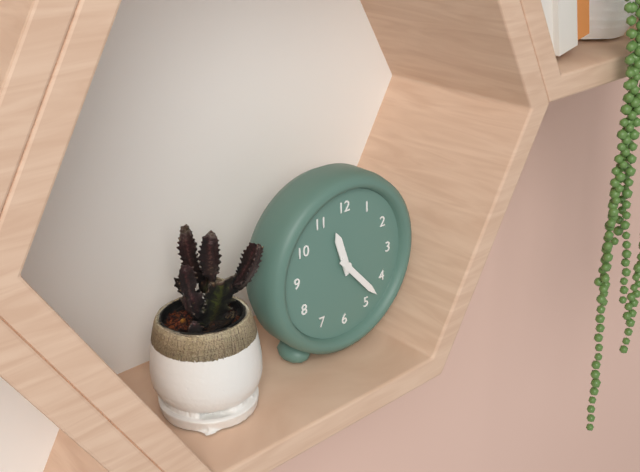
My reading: 11:23
